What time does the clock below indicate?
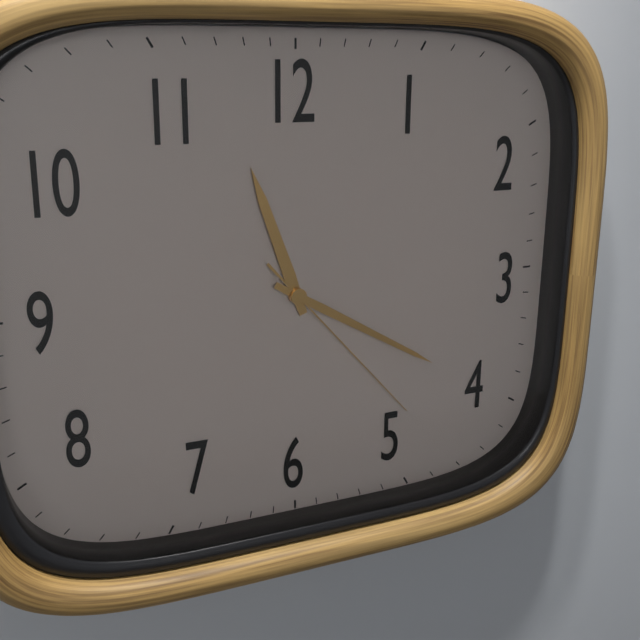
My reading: 11:20:23
